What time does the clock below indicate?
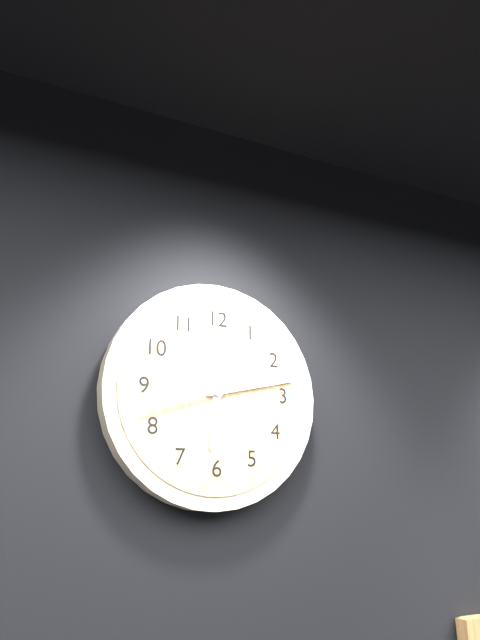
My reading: 6:13:42
